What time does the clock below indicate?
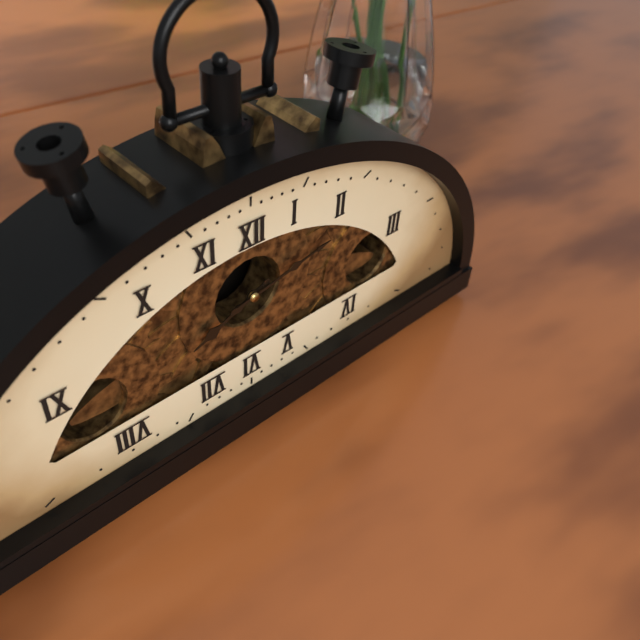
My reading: 8:13
